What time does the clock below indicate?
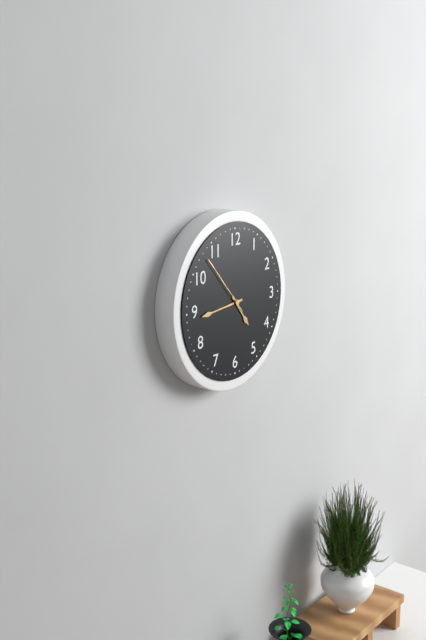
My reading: 4:44:53
